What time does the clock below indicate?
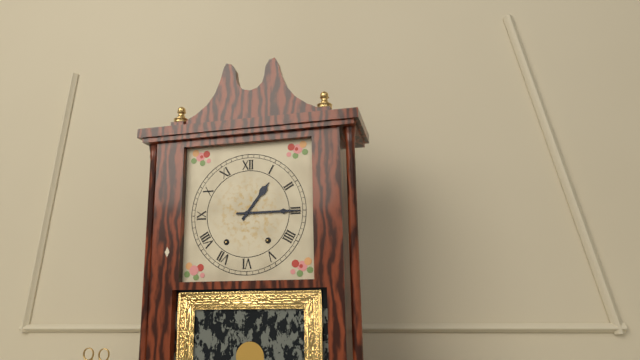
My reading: 1:15
